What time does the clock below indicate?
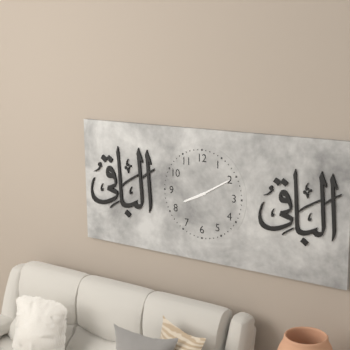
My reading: 8:10
